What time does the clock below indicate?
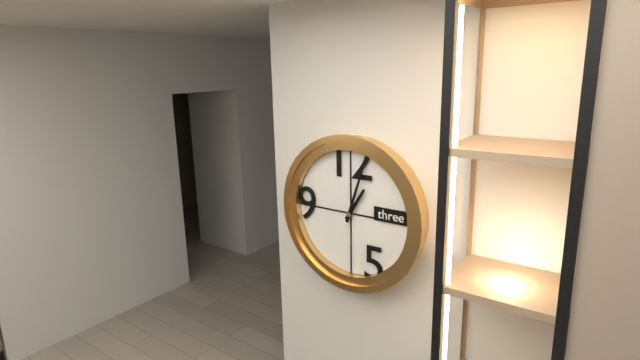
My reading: 1:03
